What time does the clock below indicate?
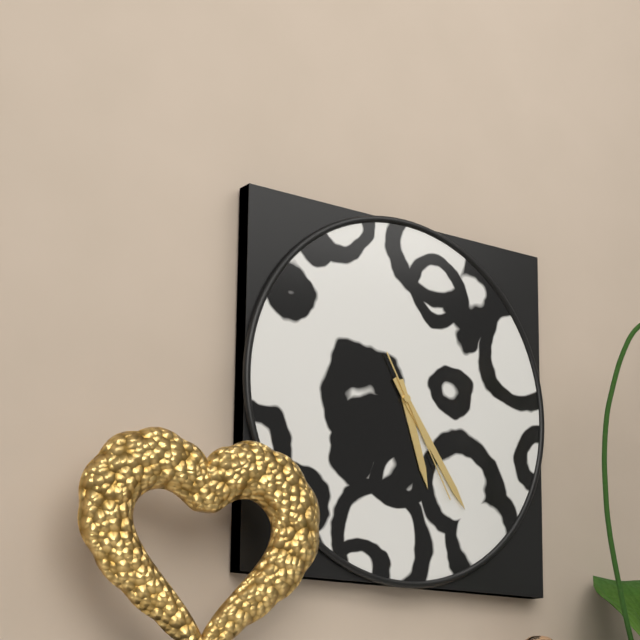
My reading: 5:24:25
